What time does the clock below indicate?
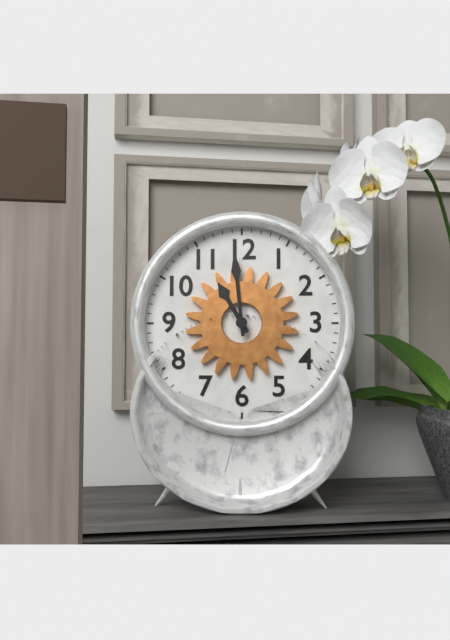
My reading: 10:59
